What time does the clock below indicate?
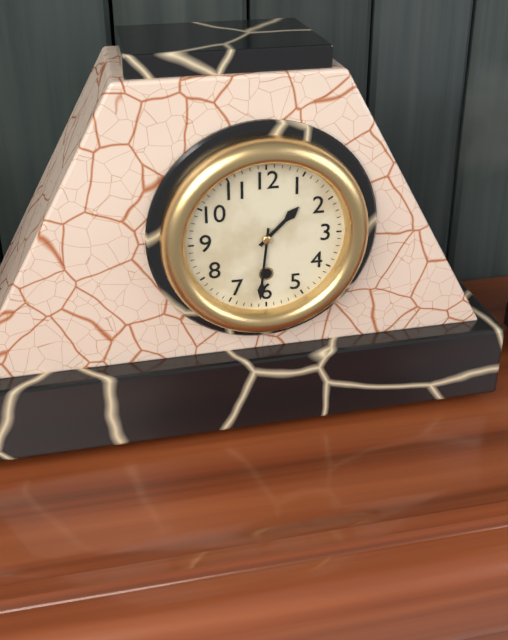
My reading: 1:31
